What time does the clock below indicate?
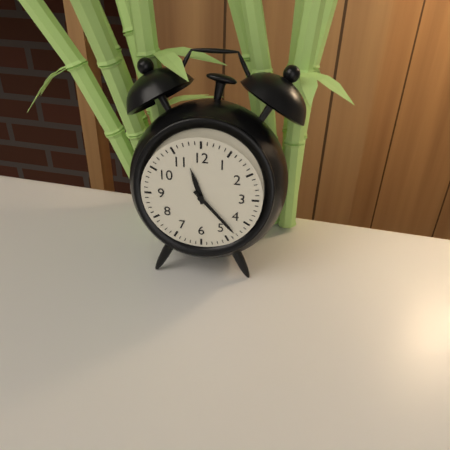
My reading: 11:23
